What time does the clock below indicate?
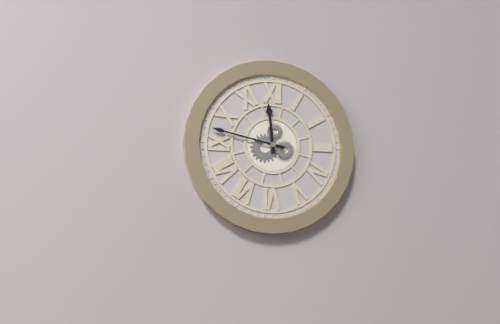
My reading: 11:47
